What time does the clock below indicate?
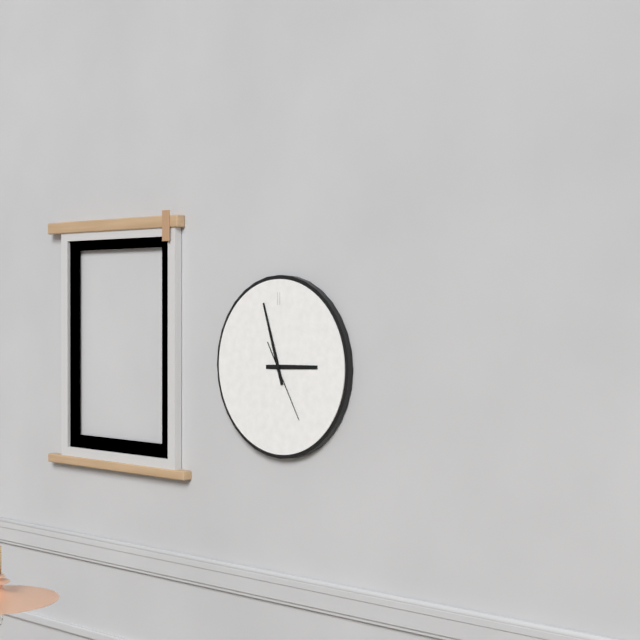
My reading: 2:57:25
